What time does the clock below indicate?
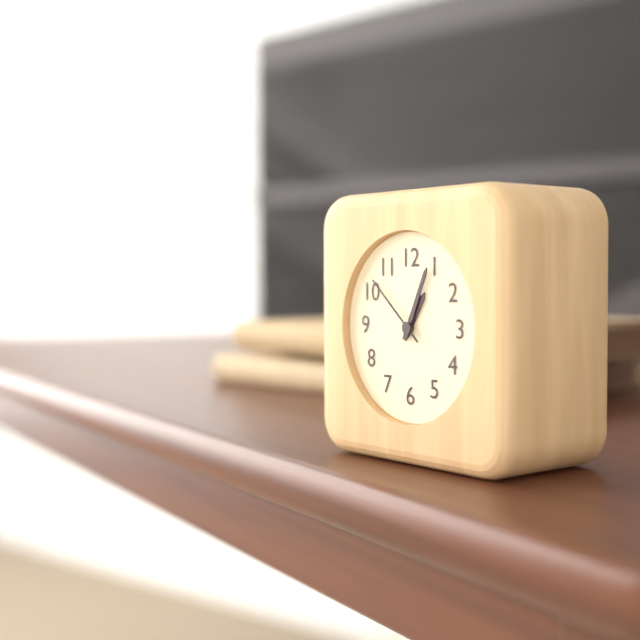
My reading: 1:04:52
